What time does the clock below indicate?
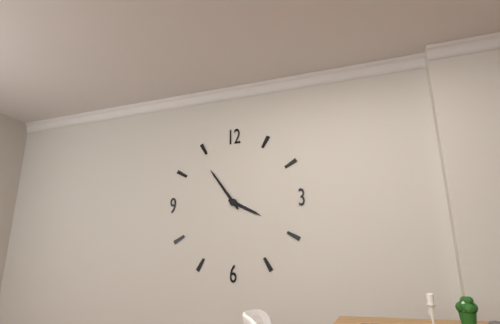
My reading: 3:54
